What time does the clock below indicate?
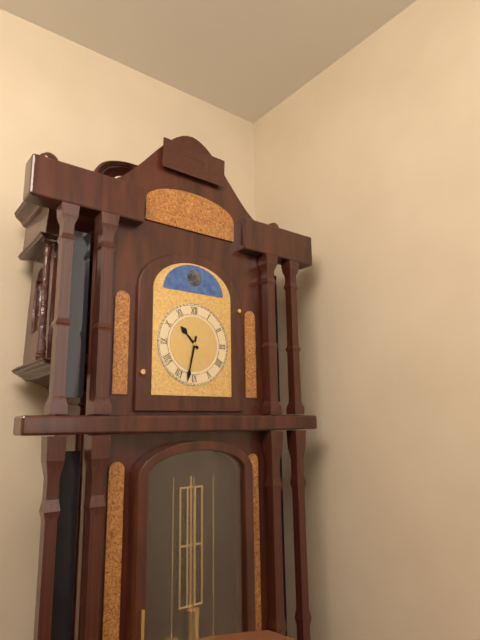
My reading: 10:32
